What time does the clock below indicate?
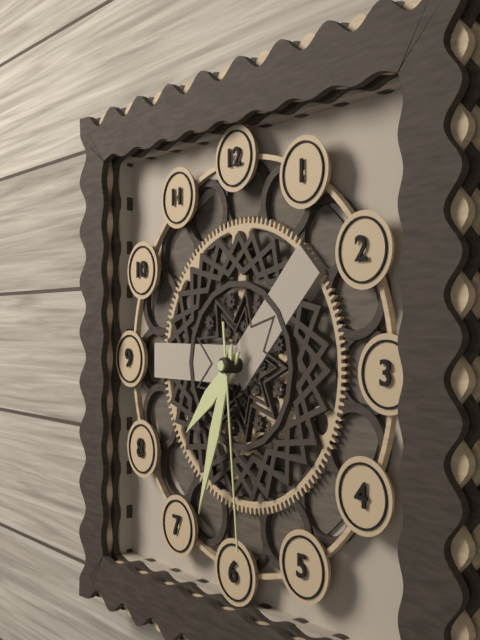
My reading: 7:33:29
